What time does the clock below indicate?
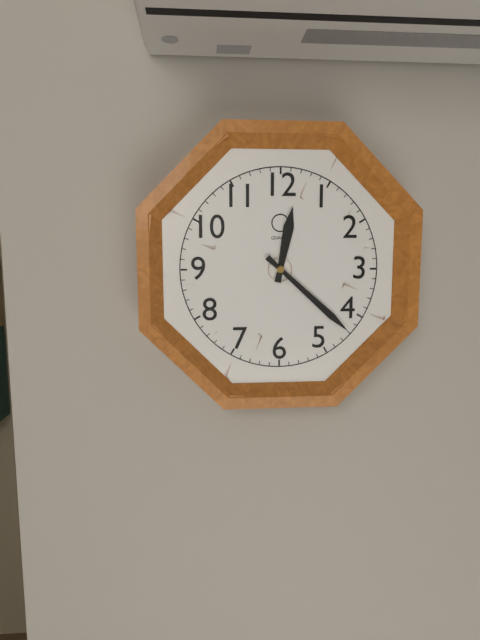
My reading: 12:22
